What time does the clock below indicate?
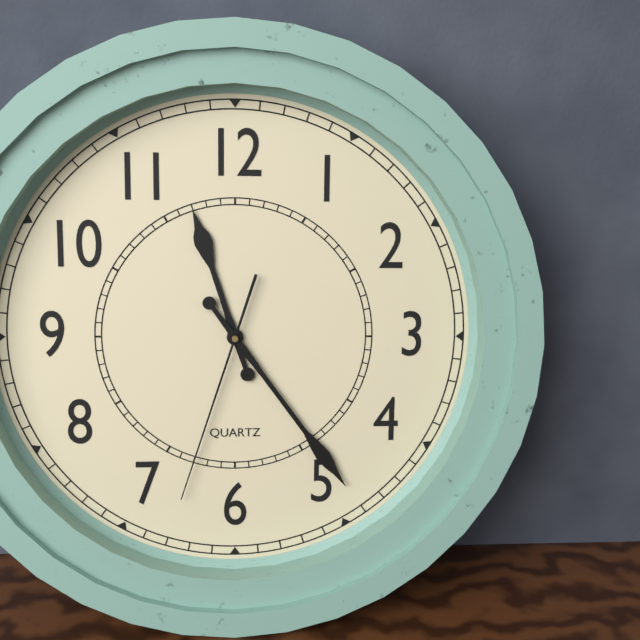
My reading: 11:24:33
